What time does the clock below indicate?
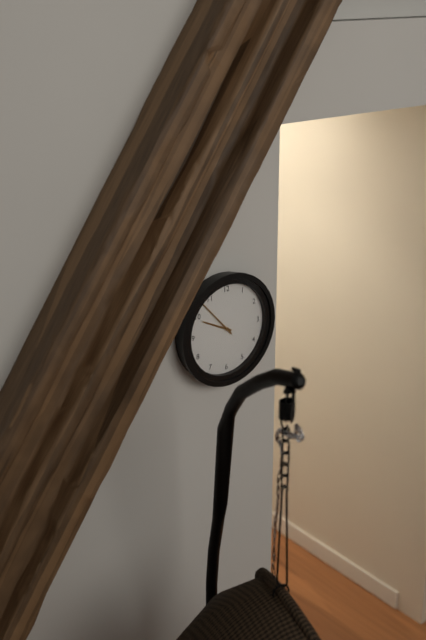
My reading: 9:53
